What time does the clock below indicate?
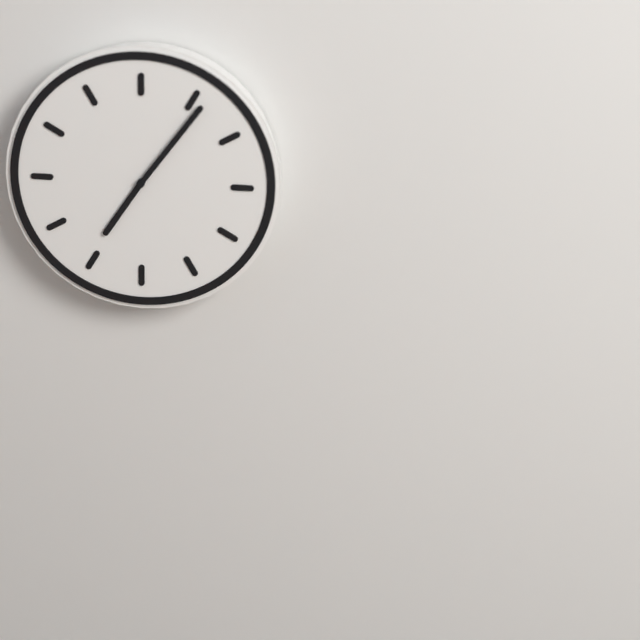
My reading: 7:06
